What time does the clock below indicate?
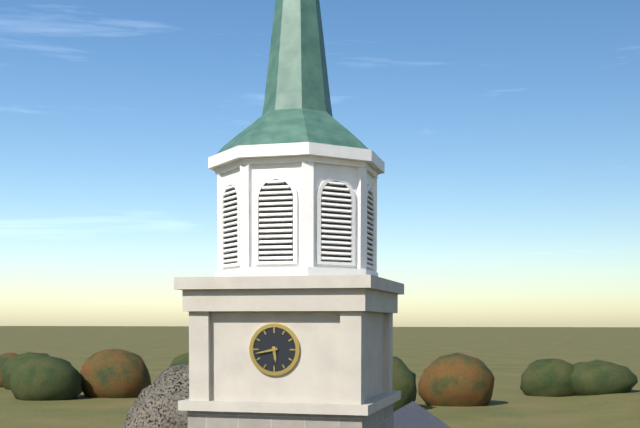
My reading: 5:43
